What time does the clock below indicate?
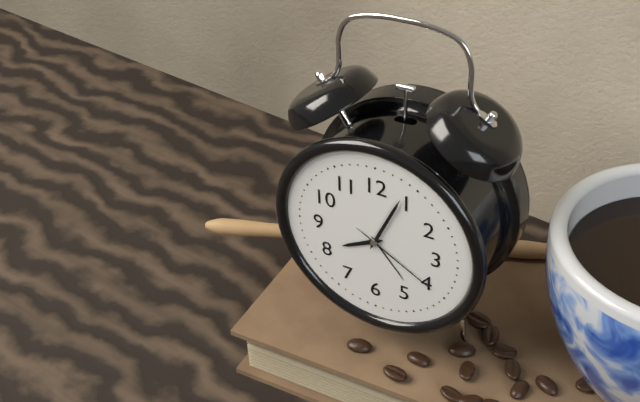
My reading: 8:04:20
